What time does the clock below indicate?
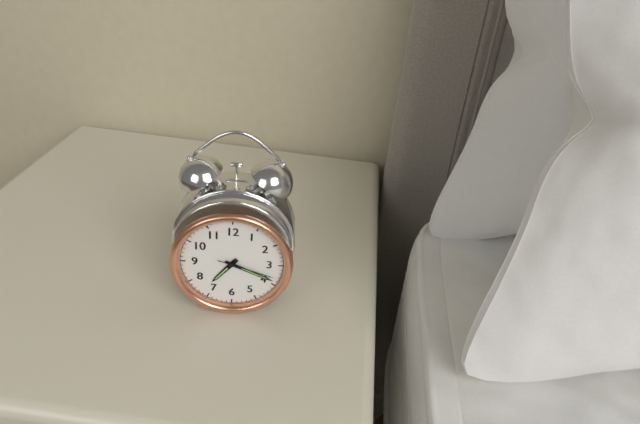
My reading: 7:19:18
